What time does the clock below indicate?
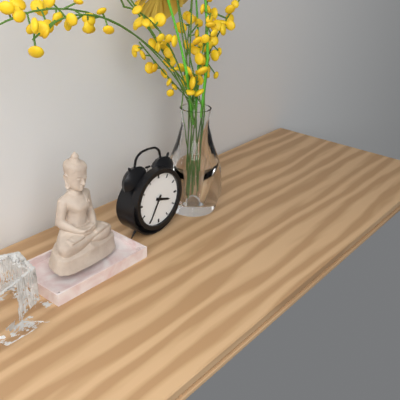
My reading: 3:35
